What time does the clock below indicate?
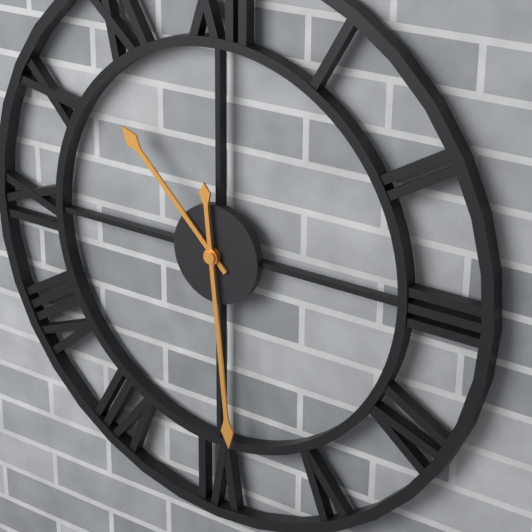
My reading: 10:29
